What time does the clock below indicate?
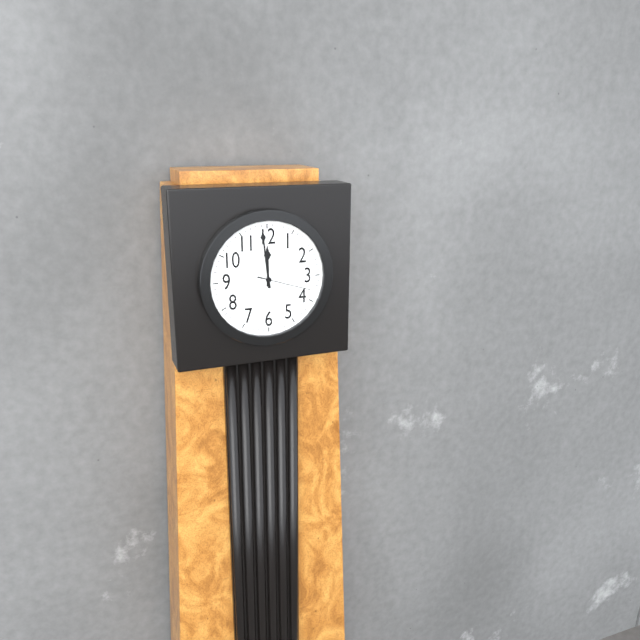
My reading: 11:59:18
